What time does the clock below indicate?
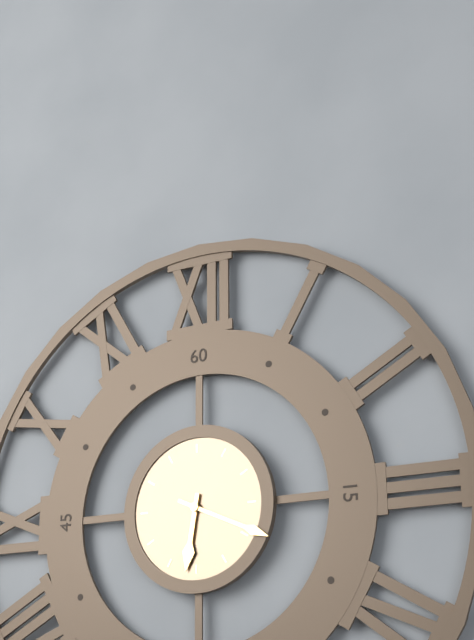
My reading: 6:19
